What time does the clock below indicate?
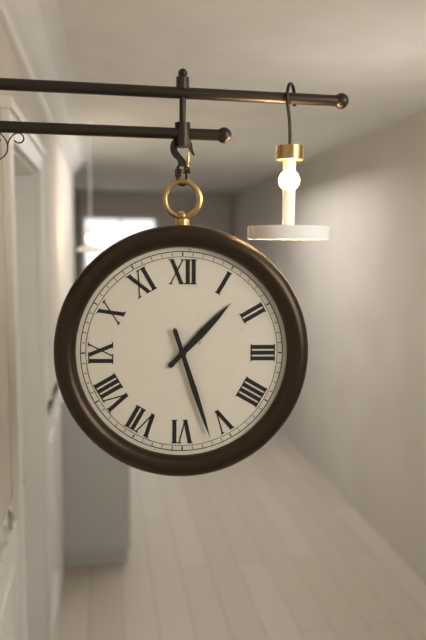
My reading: 1:27
